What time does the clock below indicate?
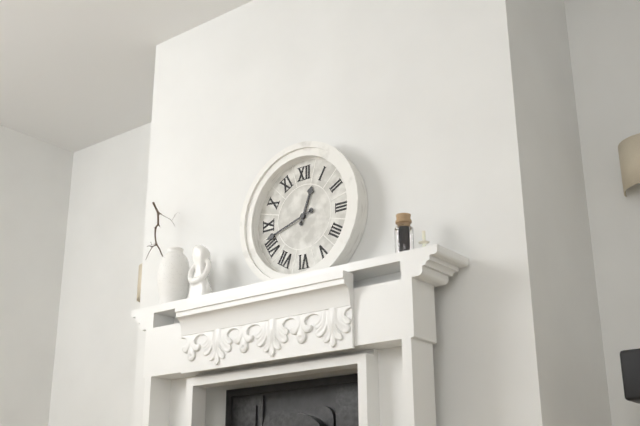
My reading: 12:42
